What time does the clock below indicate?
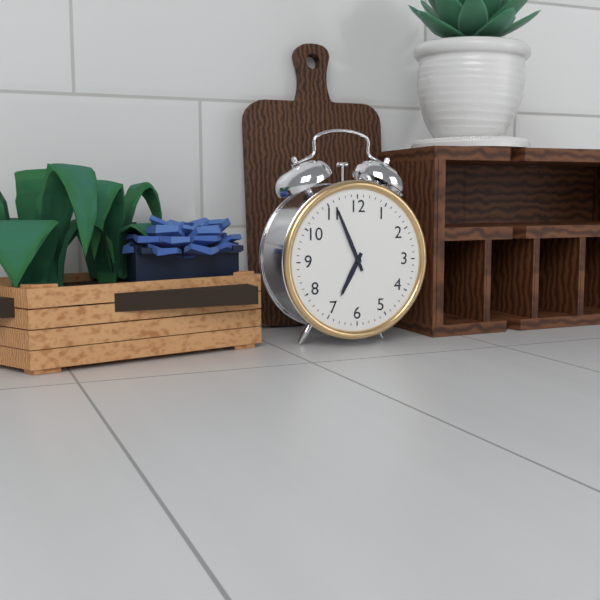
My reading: 6:56
